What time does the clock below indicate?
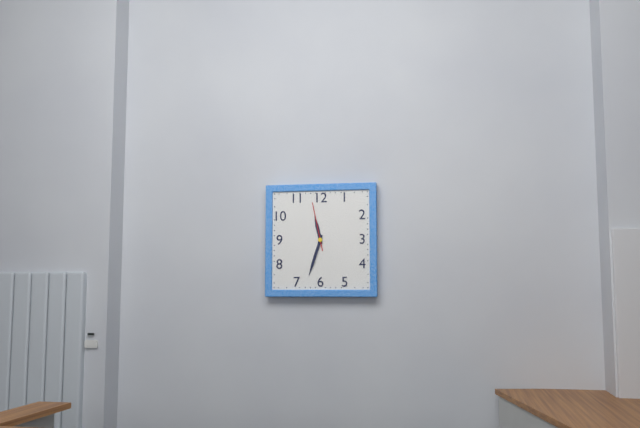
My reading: 11:33
